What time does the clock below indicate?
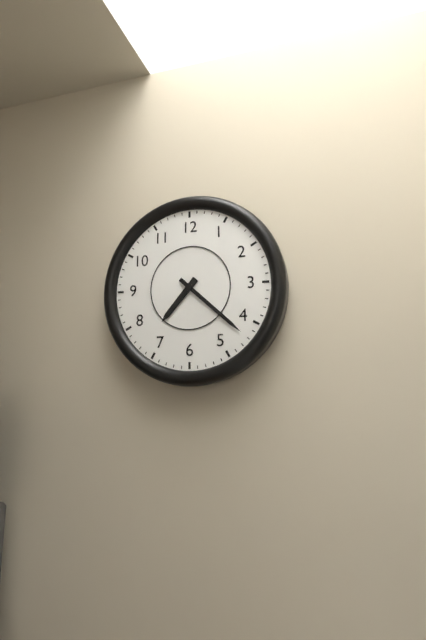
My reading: 7:22
